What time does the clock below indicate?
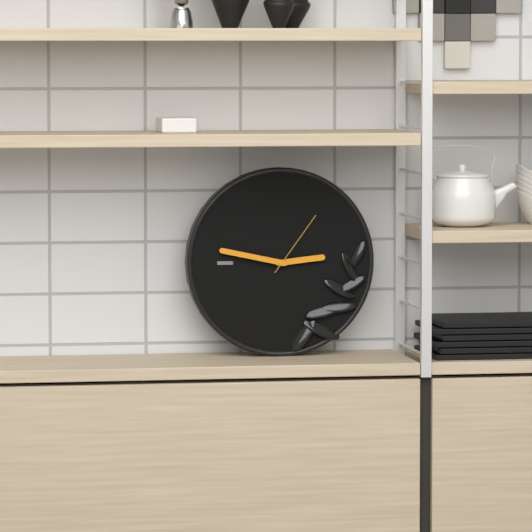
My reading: 2:47:06
